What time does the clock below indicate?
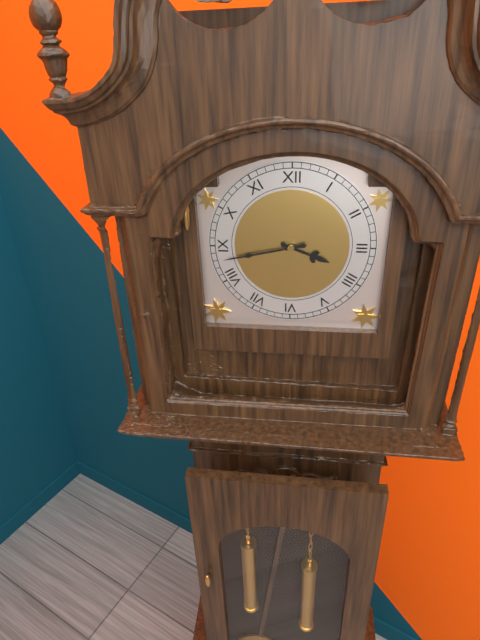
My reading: 3:43
